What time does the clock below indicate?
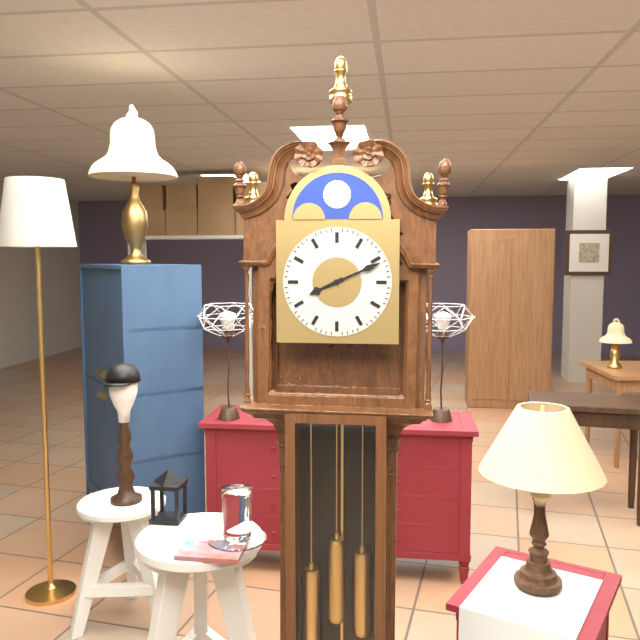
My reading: 8:11
